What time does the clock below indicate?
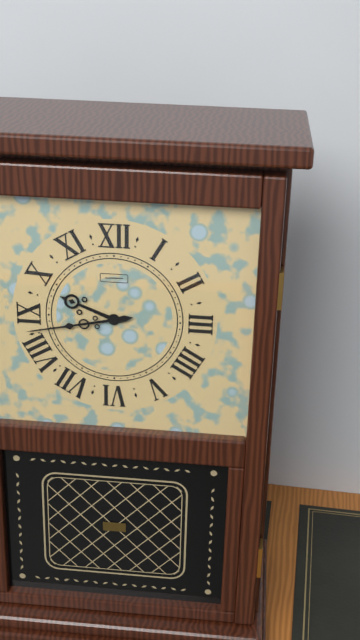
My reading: 9:43
